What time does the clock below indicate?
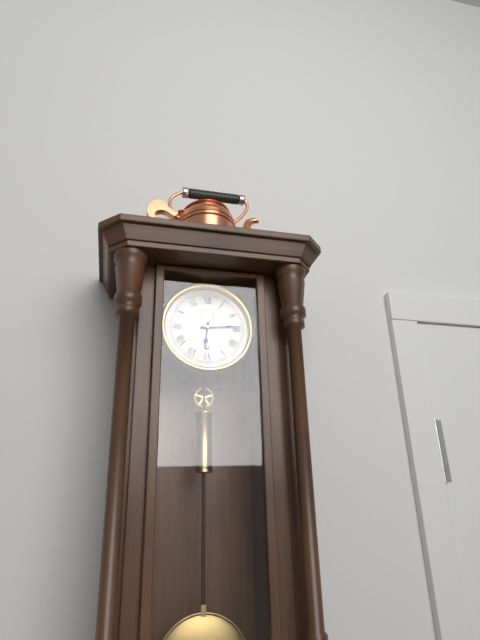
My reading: 6:14
